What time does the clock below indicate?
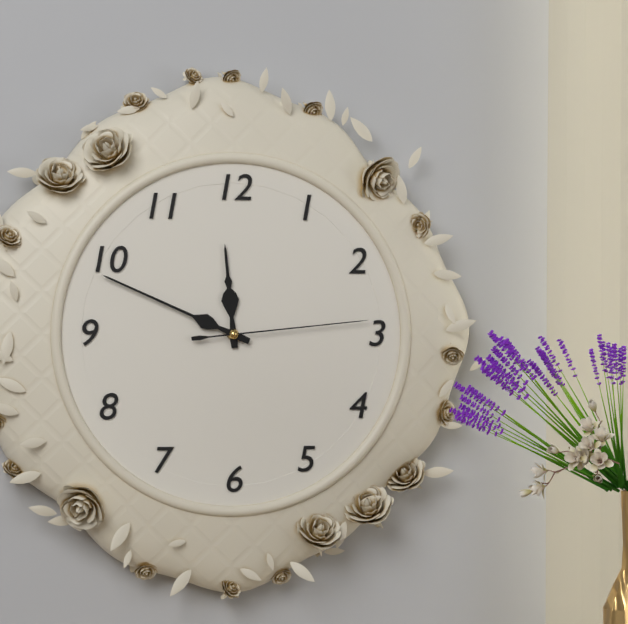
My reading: 11:49:14
